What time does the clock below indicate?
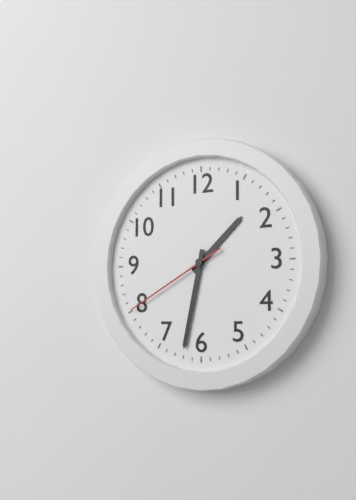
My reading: 1:32:40
